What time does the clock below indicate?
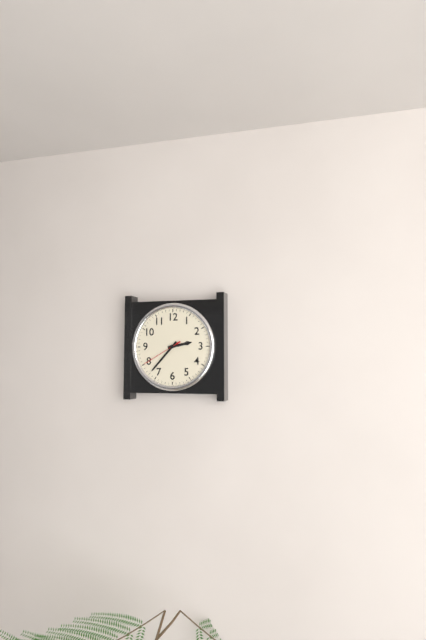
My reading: 2:37
